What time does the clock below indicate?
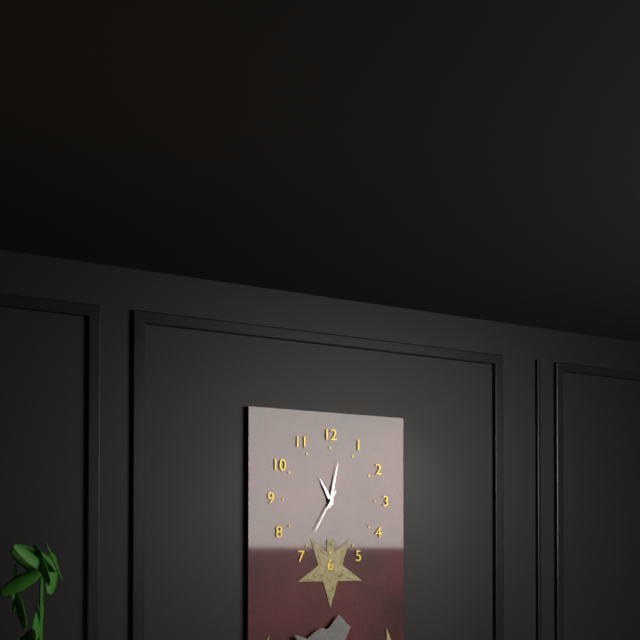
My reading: 11:02
